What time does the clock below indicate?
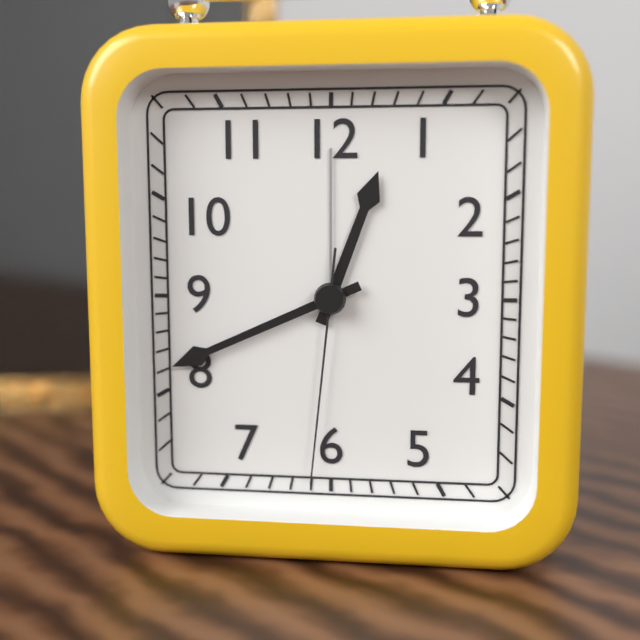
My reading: 12:41:31
